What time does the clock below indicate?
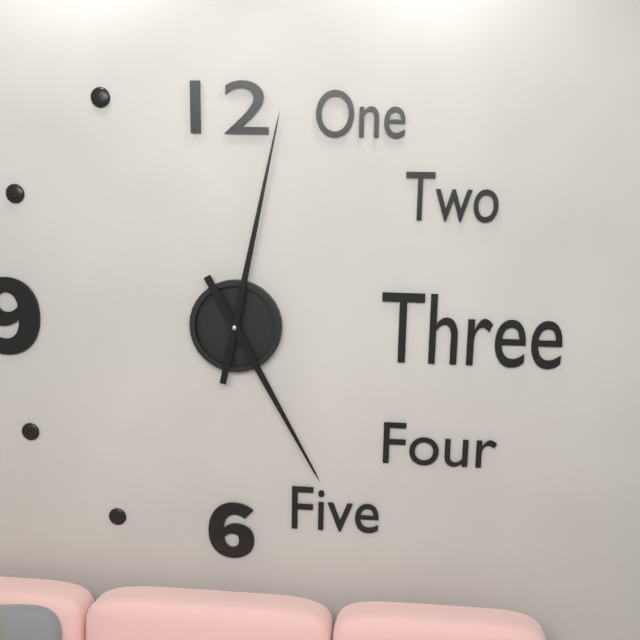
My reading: 5:02
